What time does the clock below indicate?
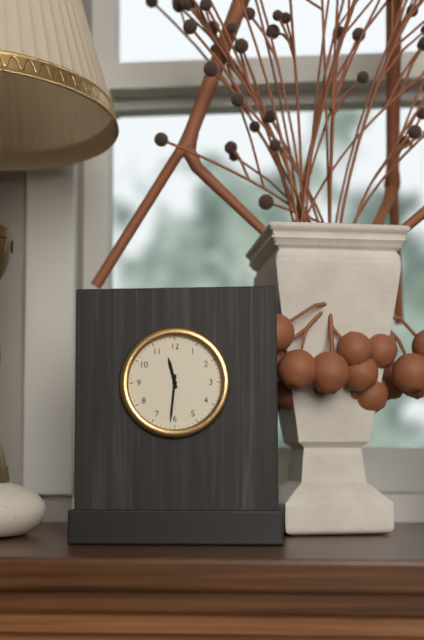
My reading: 11:31
